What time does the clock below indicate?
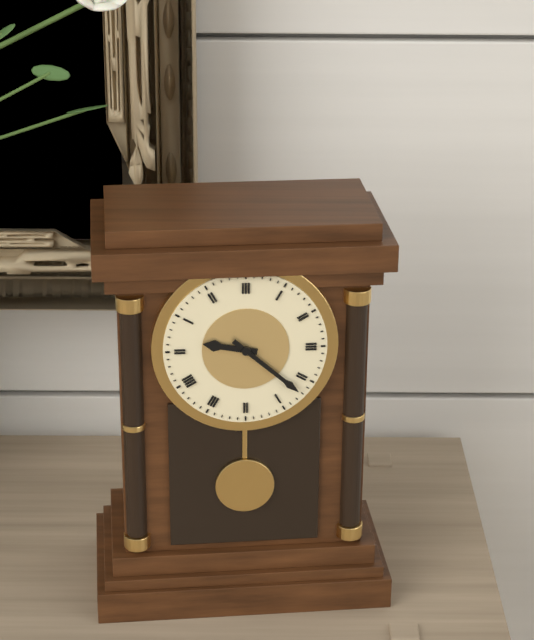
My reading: 9:22
